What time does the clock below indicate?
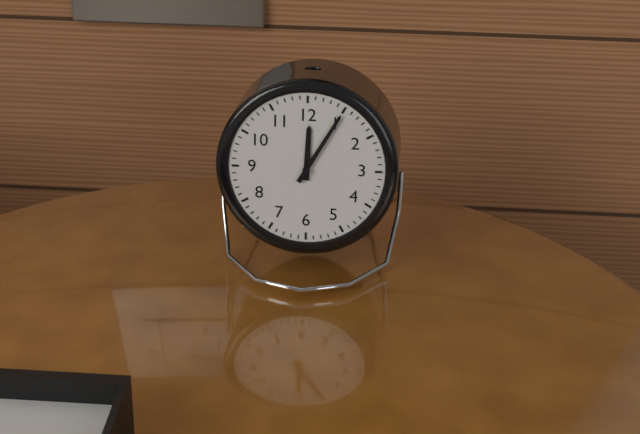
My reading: 12:05
